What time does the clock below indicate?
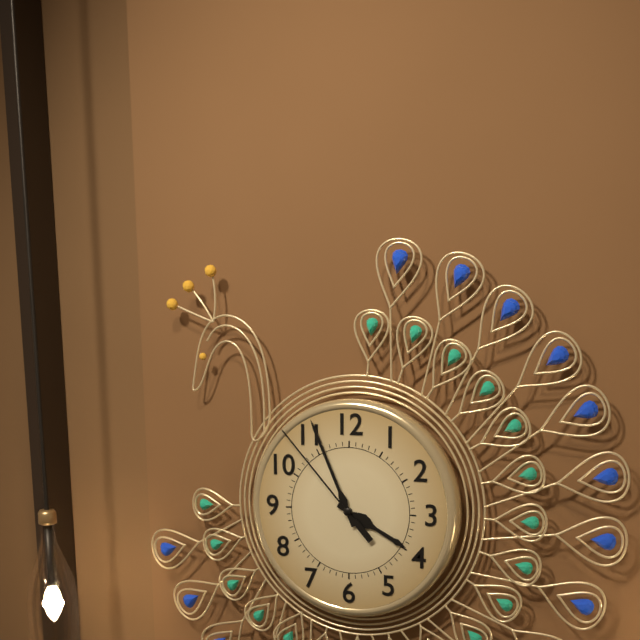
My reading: 3:56:53
